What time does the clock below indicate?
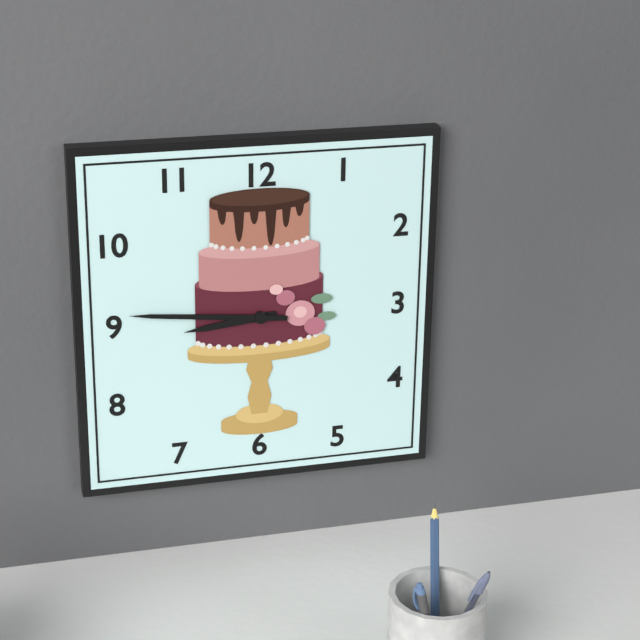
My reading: 8:46
